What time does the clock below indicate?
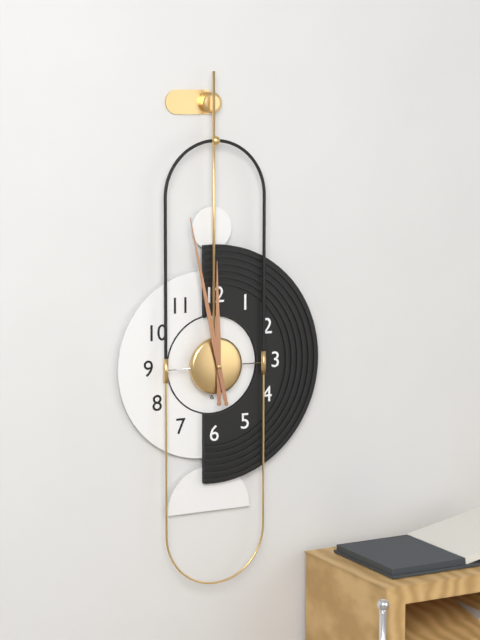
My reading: 11:58
